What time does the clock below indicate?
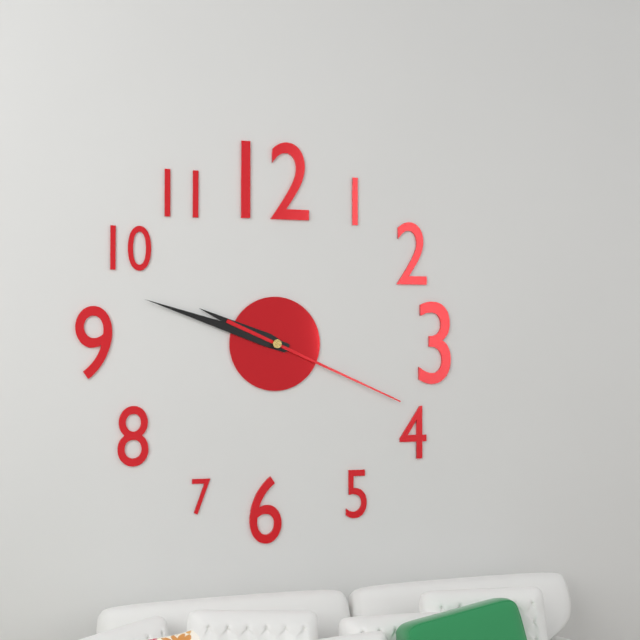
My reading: 9:48:19
